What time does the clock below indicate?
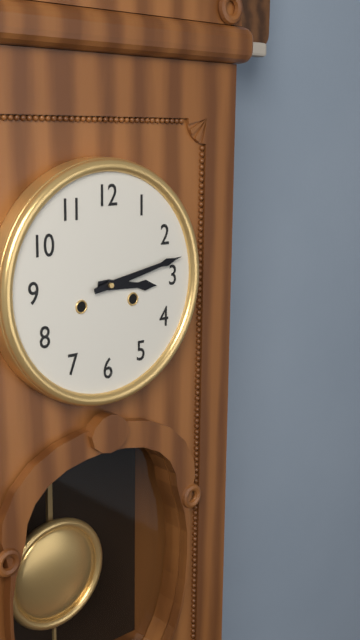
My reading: 3:13
